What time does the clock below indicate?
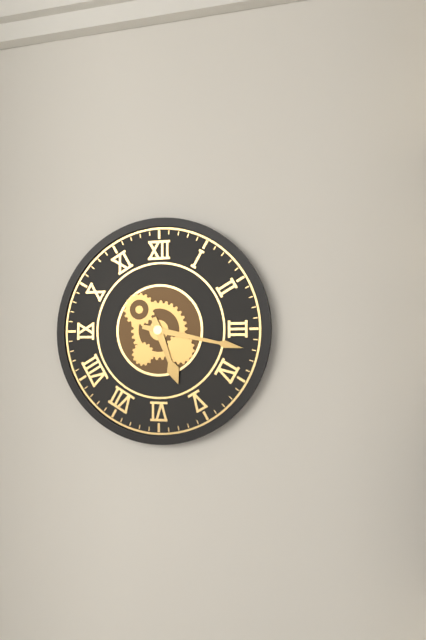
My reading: 5:17
